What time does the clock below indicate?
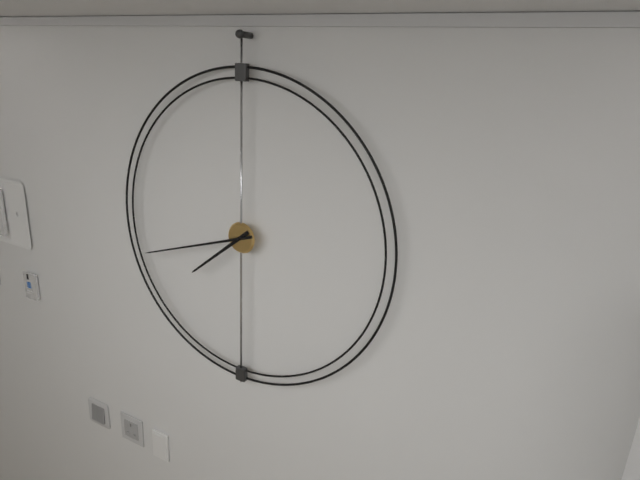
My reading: 7:42
